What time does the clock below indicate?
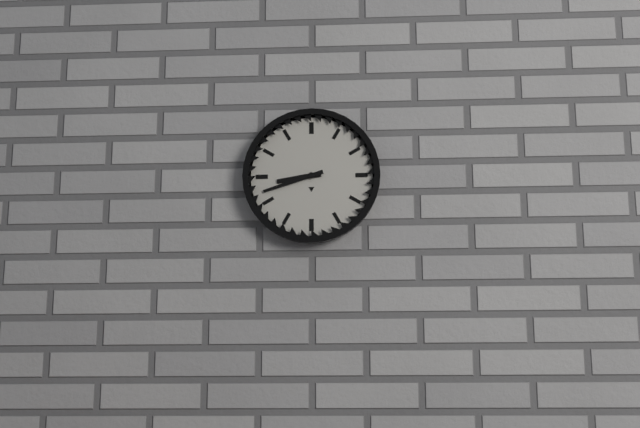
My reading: 8:42
